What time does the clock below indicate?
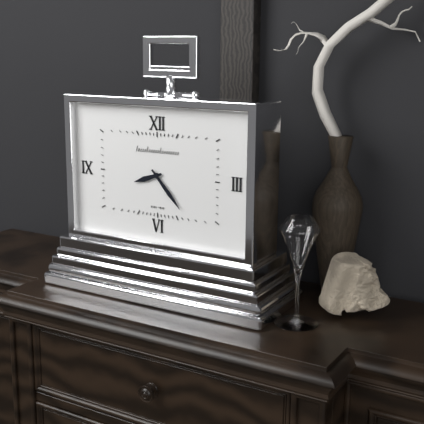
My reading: 8:23
